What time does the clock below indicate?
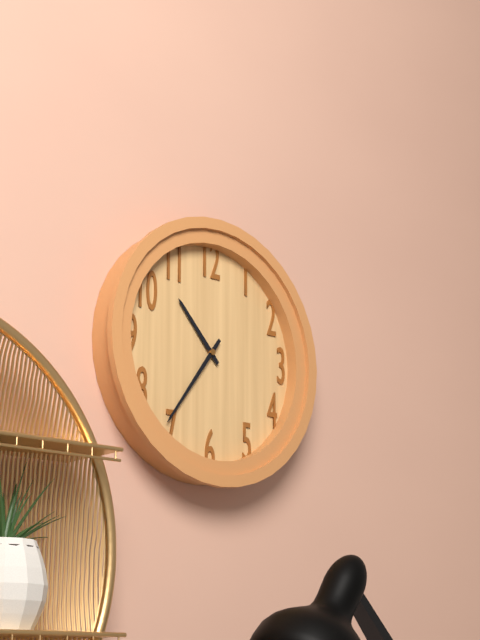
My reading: 10:36
